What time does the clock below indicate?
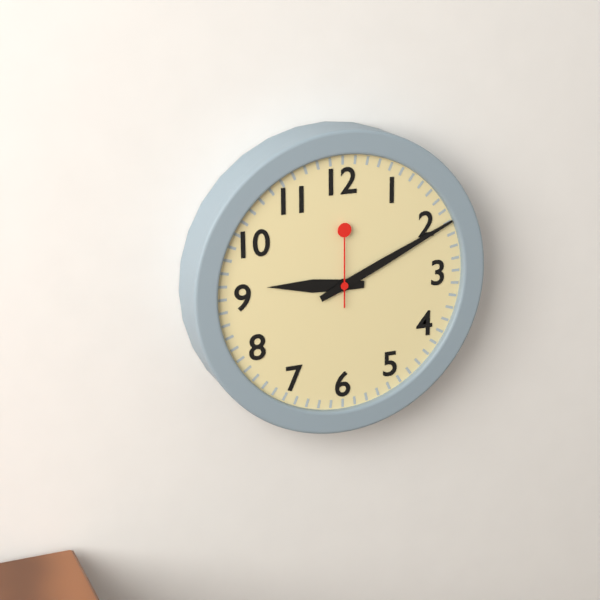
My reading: 9:11:00
